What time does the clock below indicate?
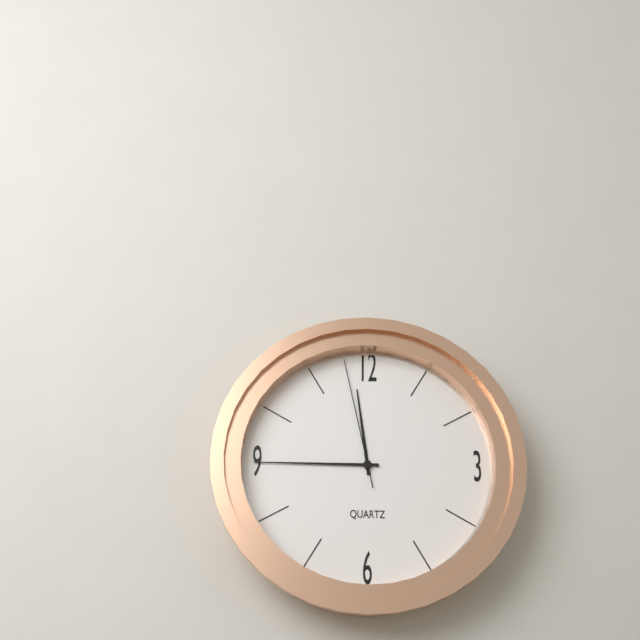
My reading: 11:45:58
